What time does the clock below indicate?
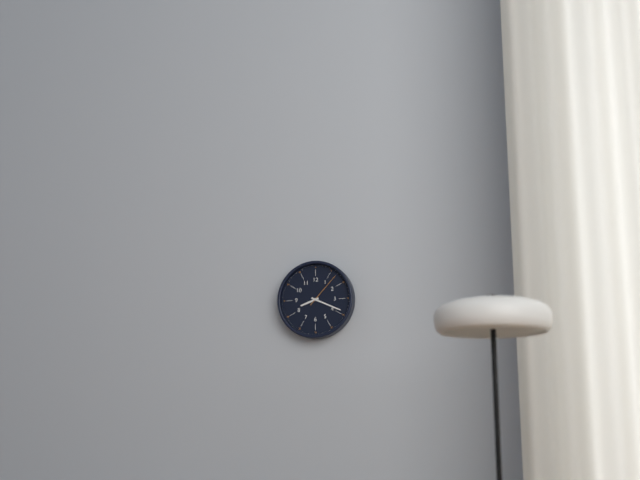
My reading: 8:19
